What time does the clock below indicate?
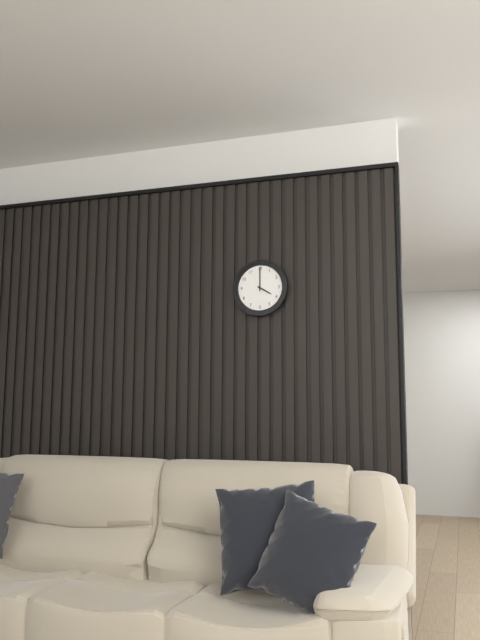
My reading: 4:00
